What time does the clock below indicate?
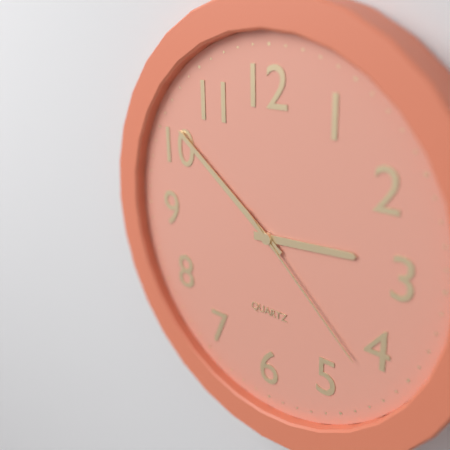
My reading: 2:51:22
